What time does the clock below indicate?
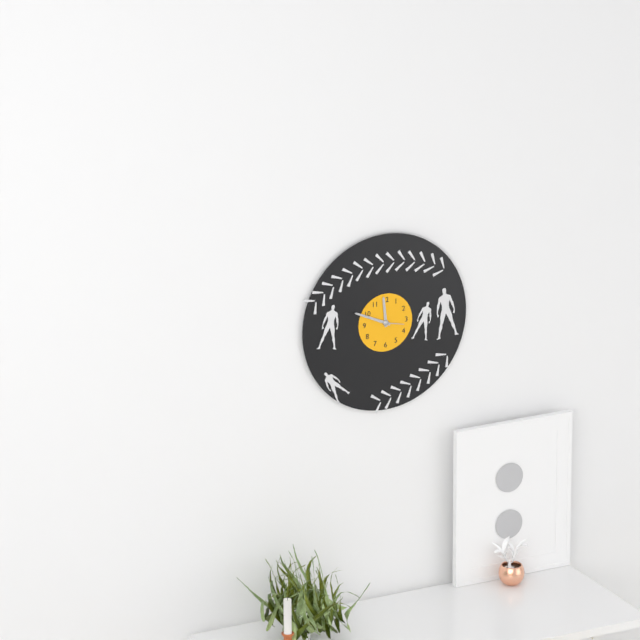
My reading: 11:49
